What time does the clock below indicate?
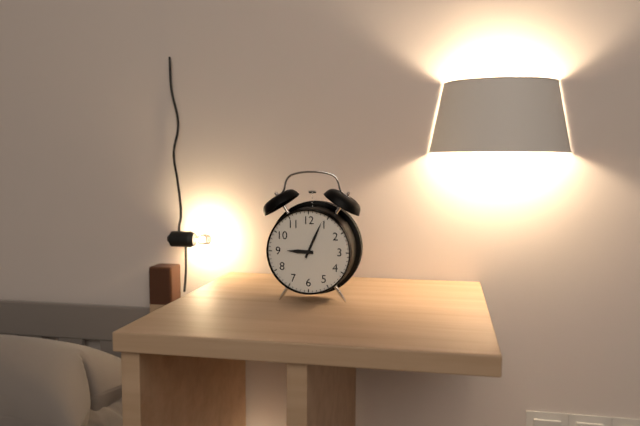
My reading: 9:04
